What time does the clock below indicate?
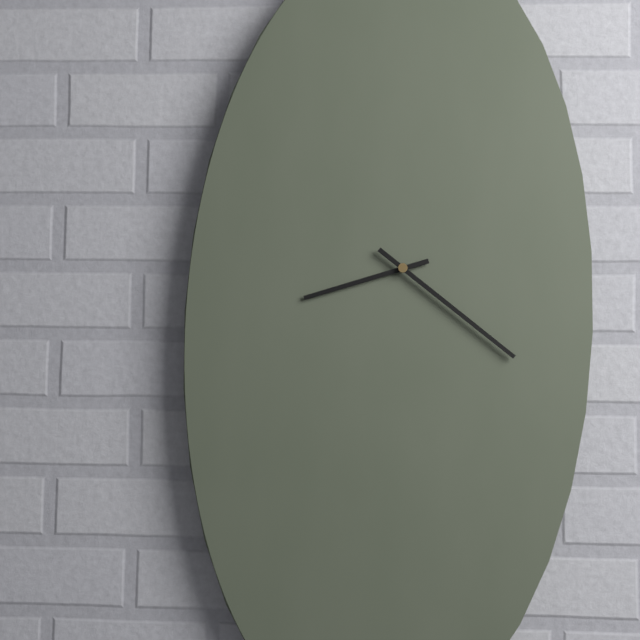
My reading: 8:21
